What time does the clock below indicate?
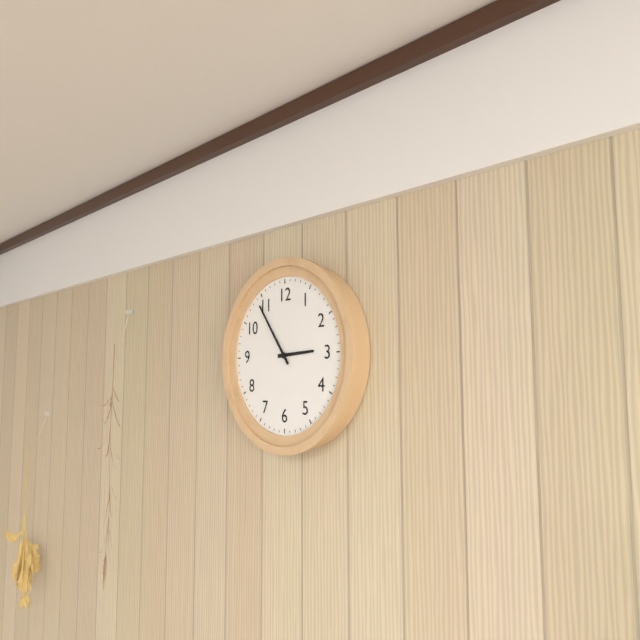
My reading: 2:54
